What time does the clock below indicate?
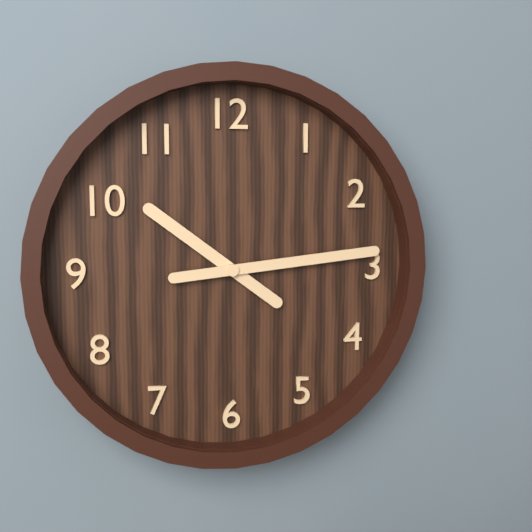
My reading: 10:14
